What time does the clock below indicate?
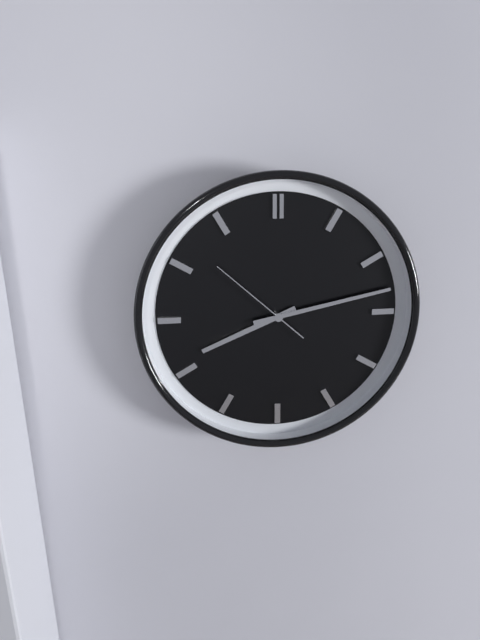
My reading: 8:13:52
